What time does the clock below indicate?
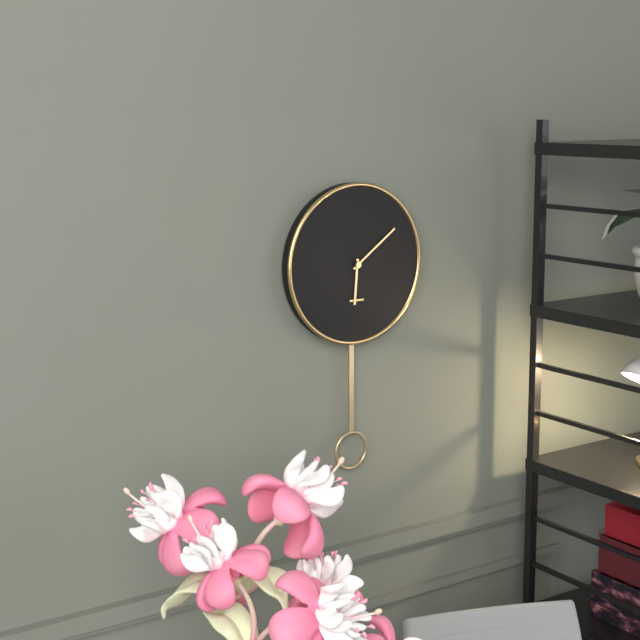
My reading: 6:09
